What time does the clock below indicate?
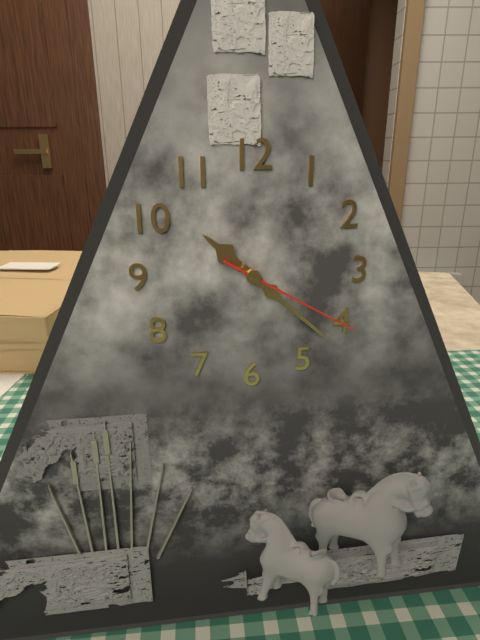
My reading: 10:22:20
